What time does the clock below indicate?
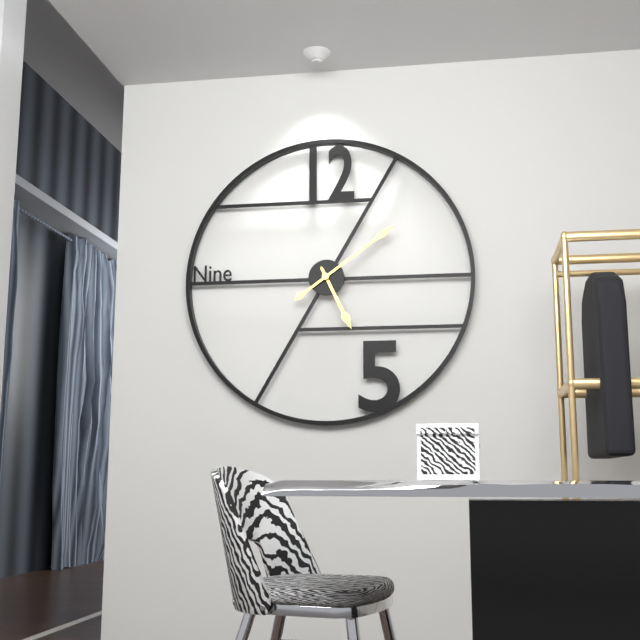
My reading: 5:09
